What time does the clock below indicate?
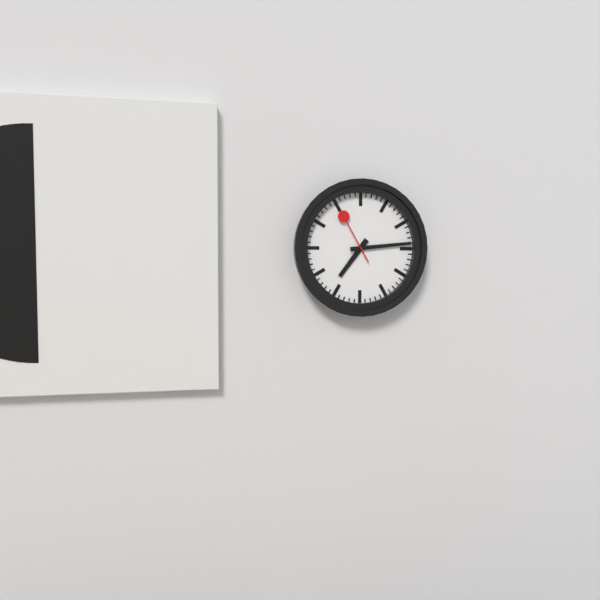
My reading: 7:14:55
